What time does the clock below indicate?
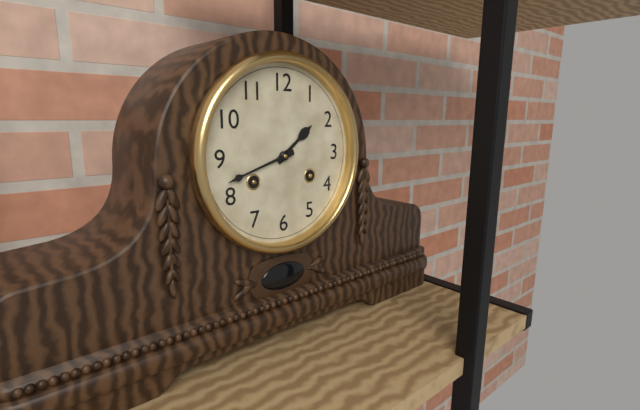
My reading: 1:42
